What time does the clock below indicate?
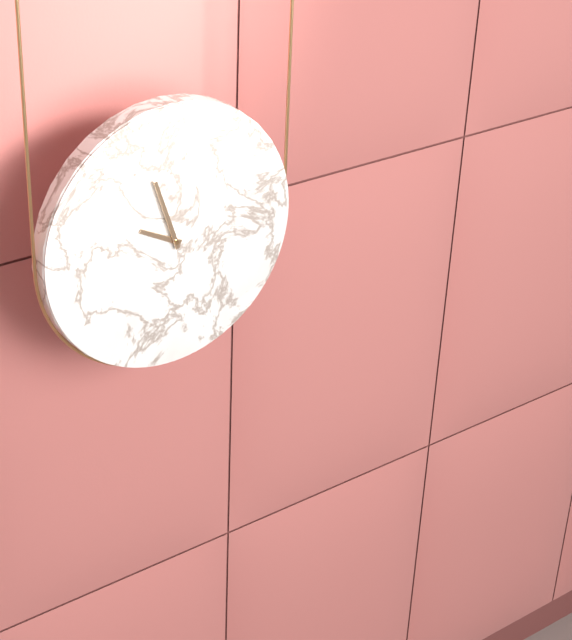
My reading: 9:57
